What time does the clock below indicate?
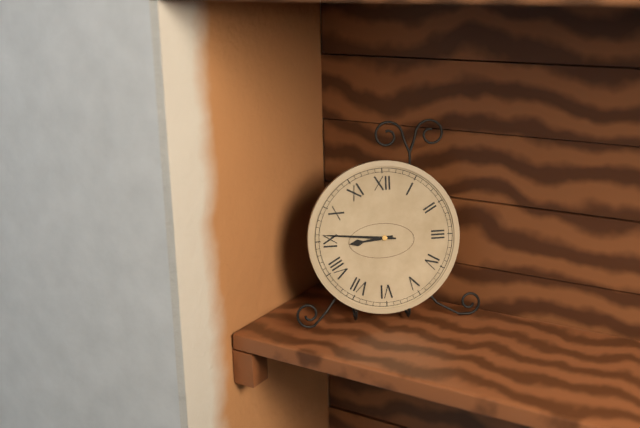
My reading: 8:46
